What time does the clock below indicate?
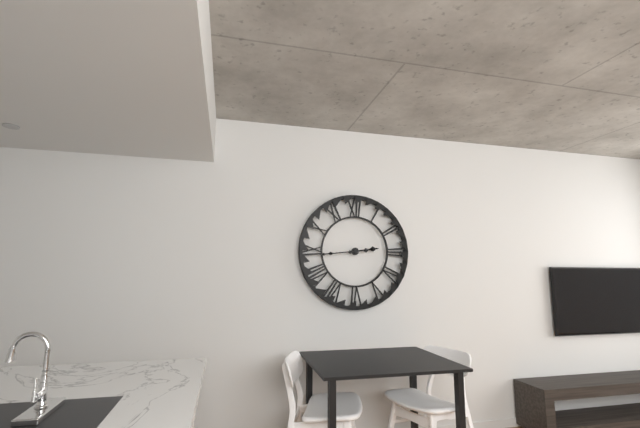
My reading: 2:44
